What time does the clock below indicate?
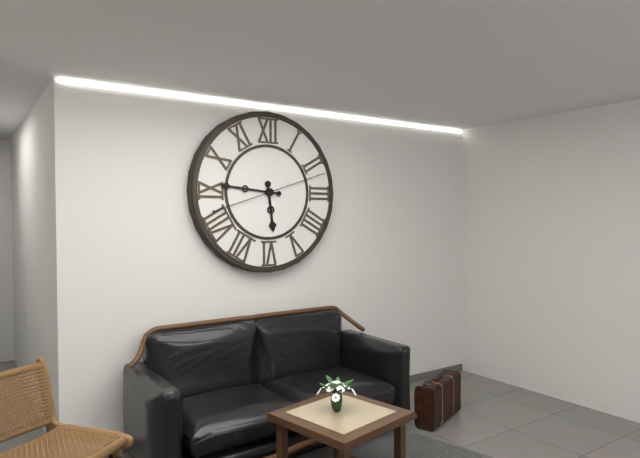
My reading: 5:46:12
